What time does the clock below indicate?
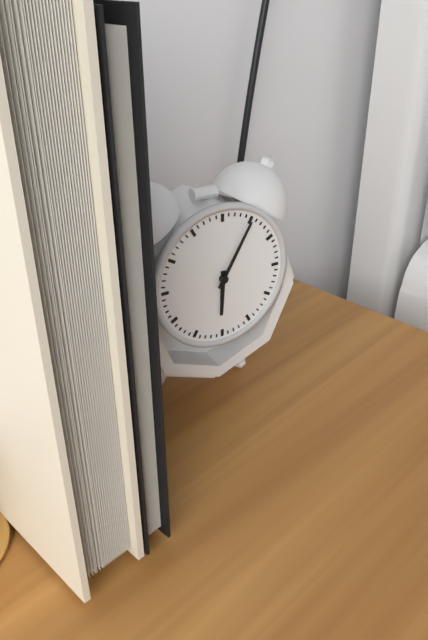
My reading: 6:05
